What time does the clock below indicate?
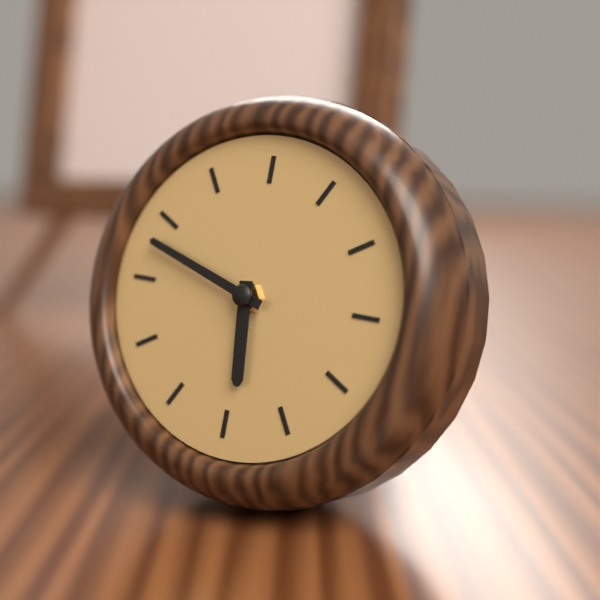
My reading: 5:48
